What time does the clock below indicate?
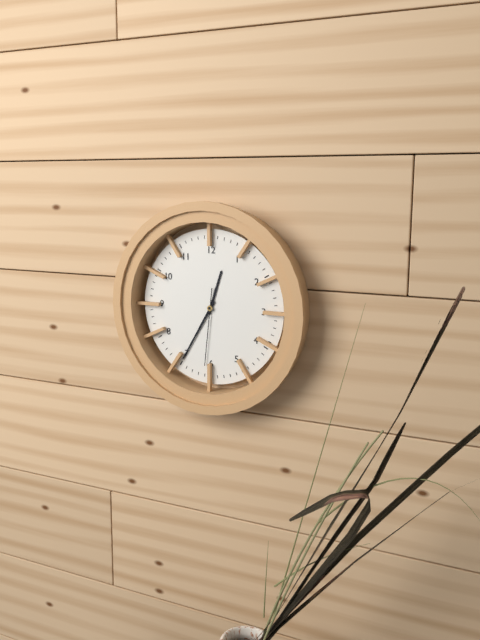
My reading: 12:35:31
